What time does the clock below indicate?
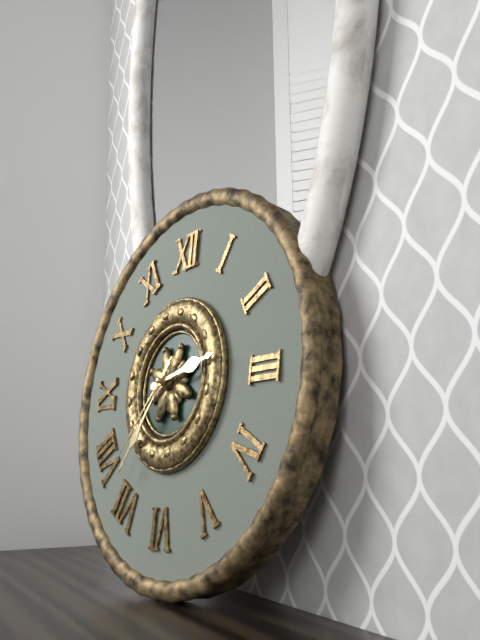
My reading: 2:36:37
